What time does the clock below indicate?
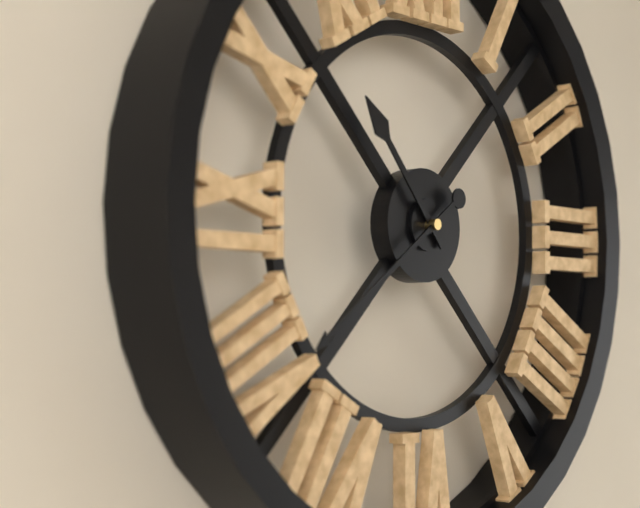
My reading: 10:39
